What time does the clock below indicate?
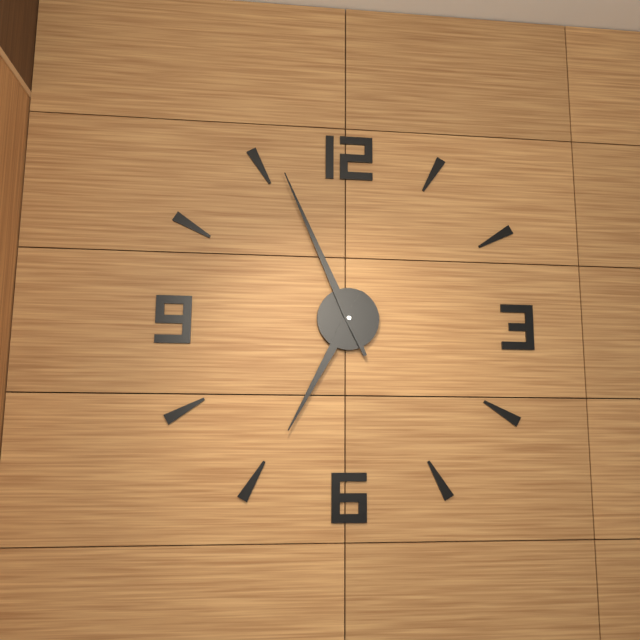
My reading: 6:56
